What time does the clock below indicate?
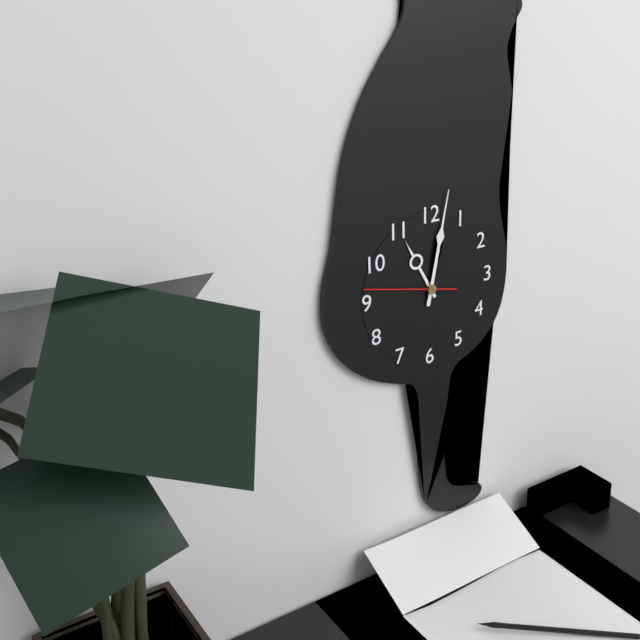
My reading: 11:02:47
